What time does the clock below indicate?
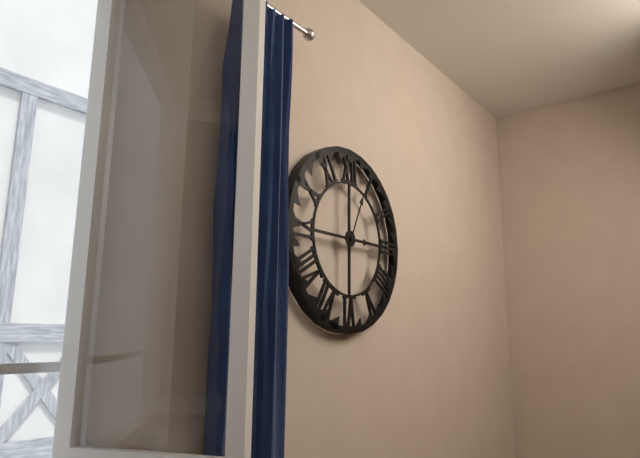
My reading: 3:04
